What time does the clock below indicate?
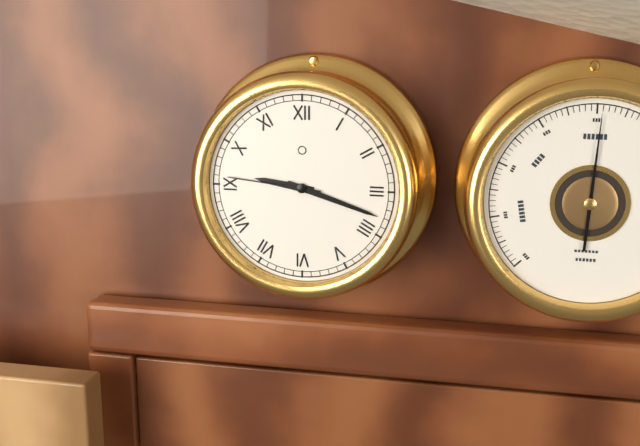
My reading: 9:18:46
